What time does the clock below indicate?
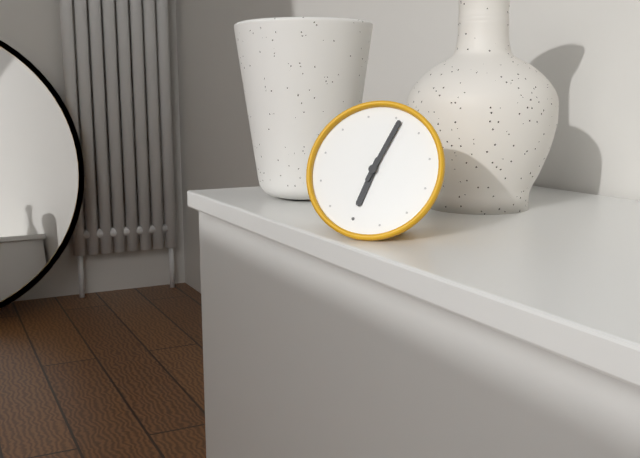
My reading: 6:01
